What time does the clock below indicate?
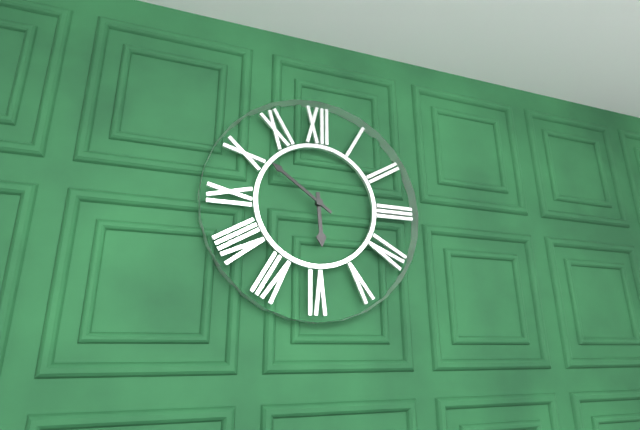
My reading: 5:51
